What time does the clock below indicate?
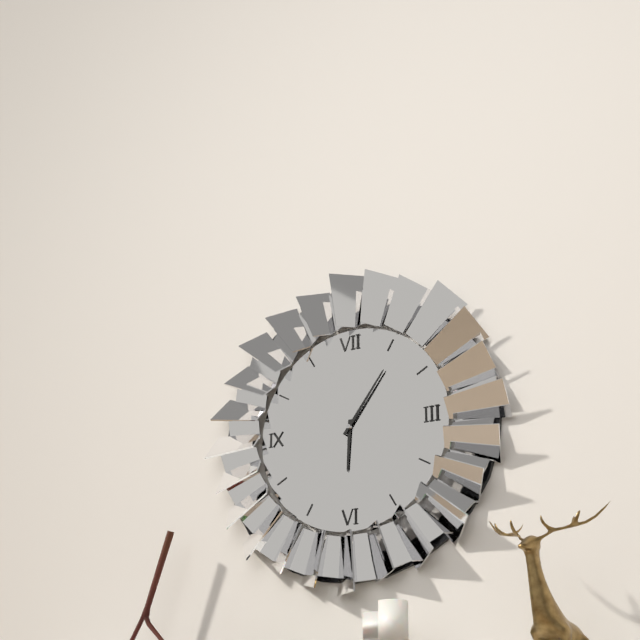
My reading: 6:06
